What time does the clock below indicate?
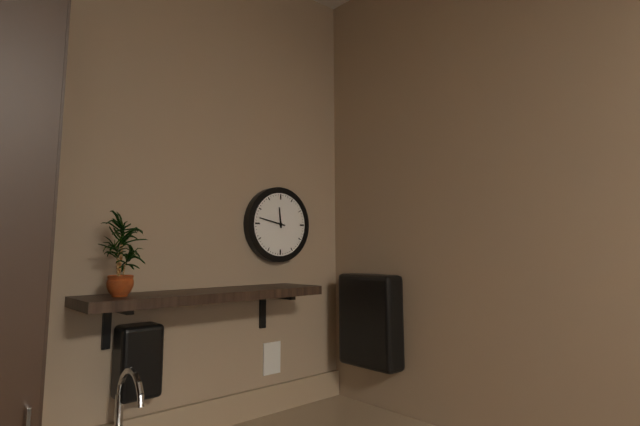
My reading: 11:47
